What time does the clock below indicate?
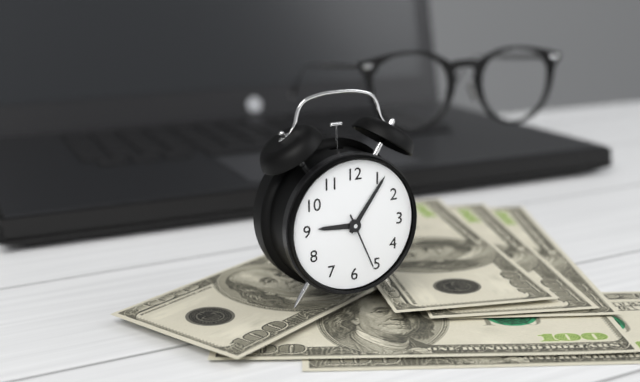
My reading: 9:06:26
